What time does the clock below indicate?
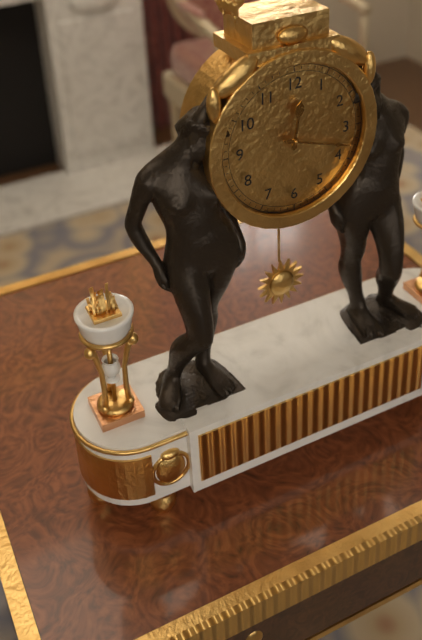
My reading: 12:18
